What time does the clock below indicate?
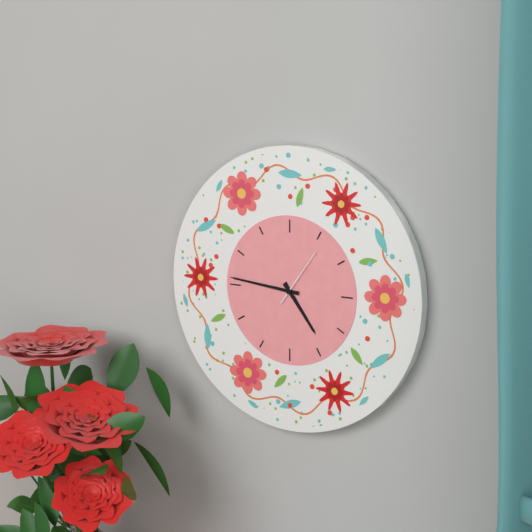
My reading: 4:46:06
